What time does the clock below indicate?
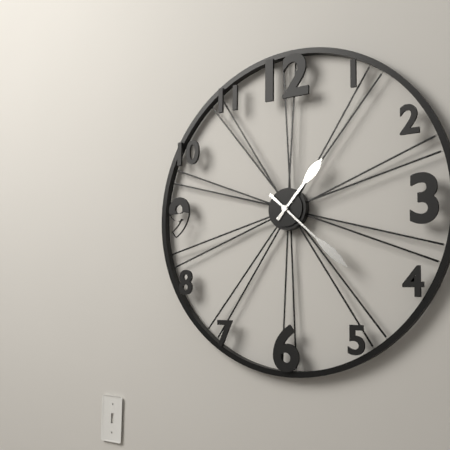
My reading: 1:22
